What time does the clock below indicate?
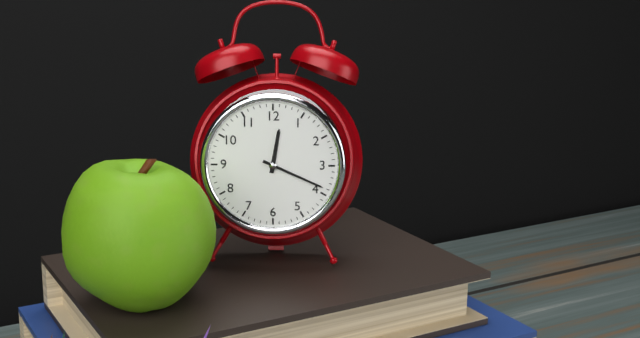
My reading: 12:19
